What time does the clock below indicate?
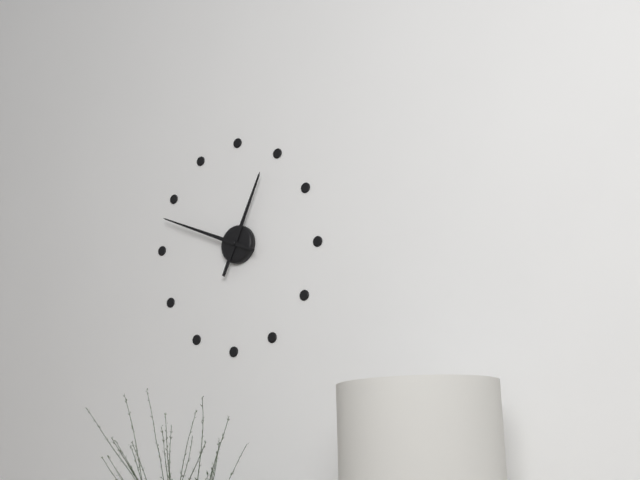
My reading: 12:49
